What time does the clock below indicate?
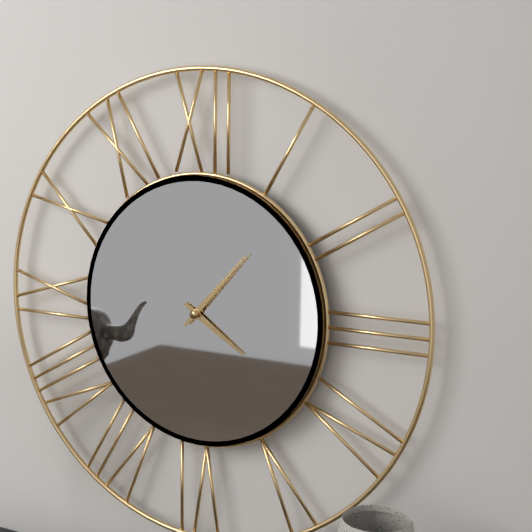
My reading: 4:07
